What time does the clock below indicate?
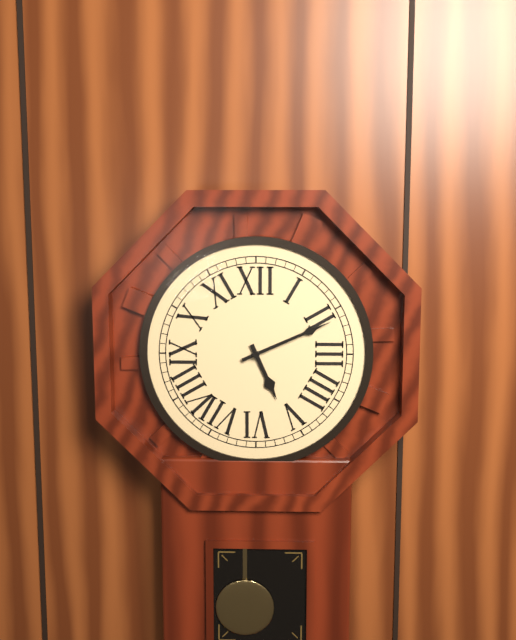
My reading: 5:11
